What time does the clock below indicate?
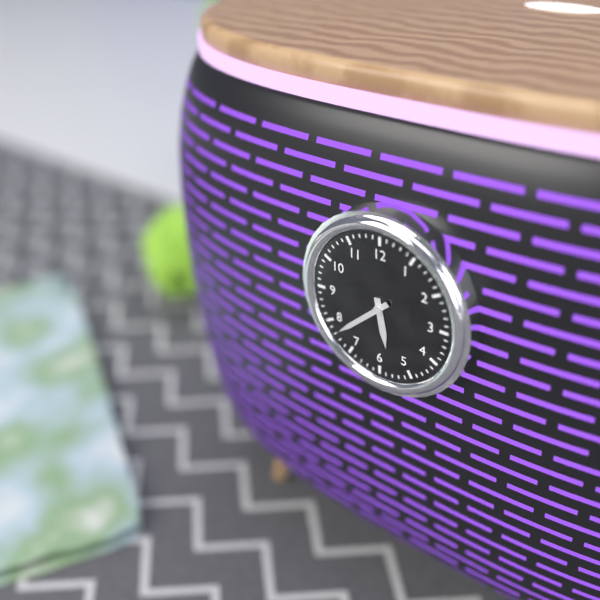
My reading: 5:38
